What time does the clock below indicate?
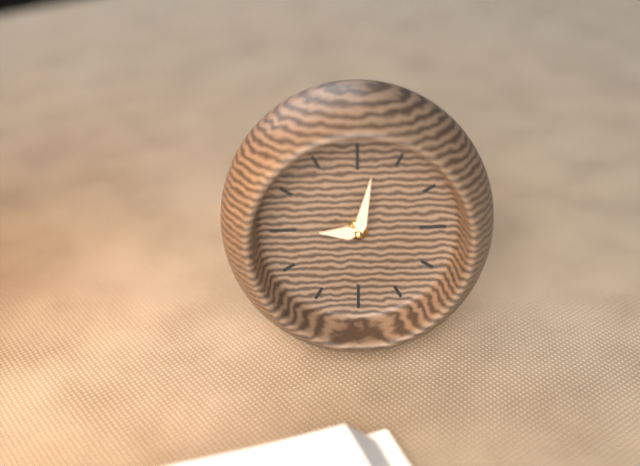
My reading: 9:02
